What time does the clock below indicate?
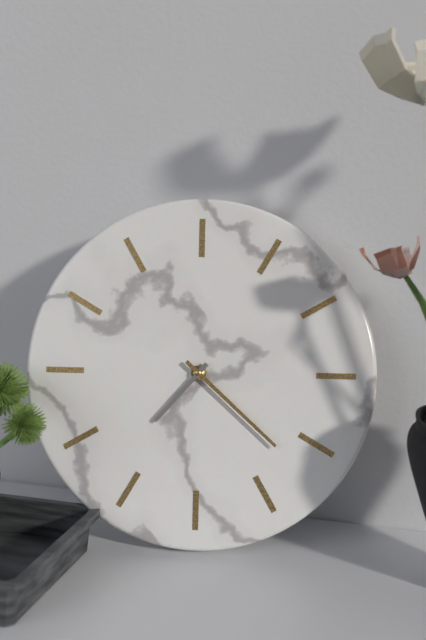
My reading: 7:22
